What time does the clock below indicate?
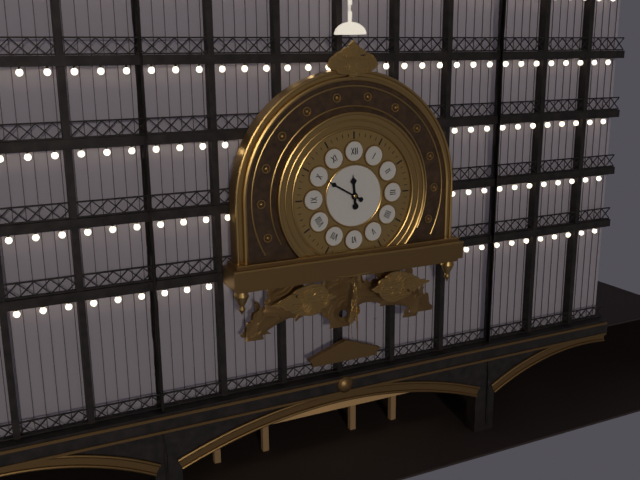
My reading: 11:50
